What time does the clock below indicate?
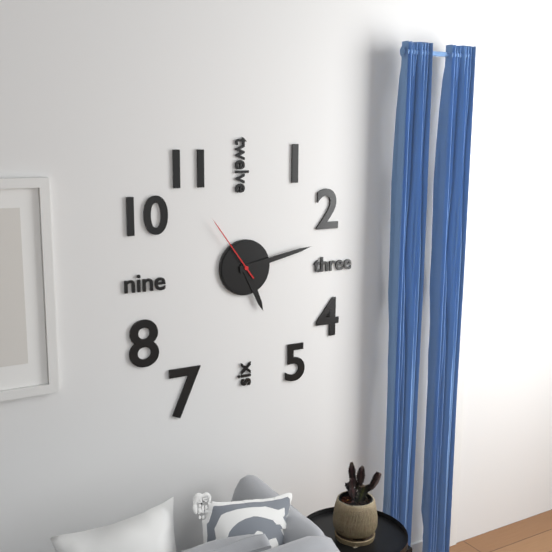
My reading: 5:13:54
